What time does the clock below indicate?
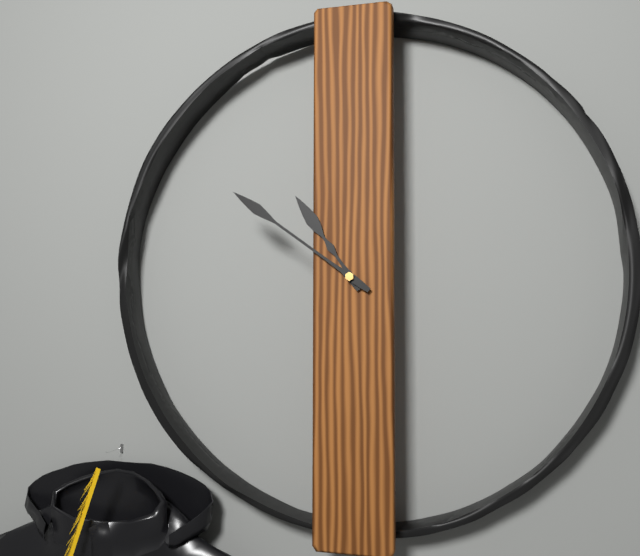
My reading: 10:51
